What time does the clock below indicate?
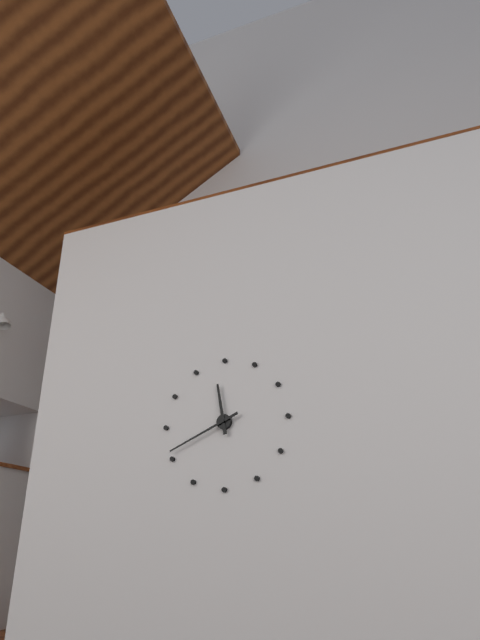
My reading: 11:41
